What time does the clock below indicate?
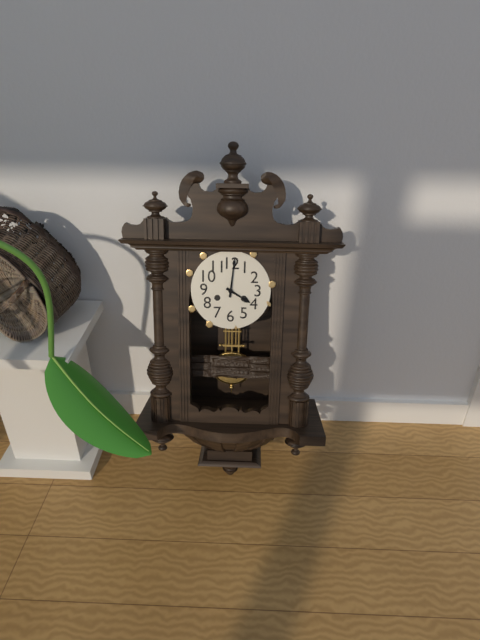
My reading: 4:01
